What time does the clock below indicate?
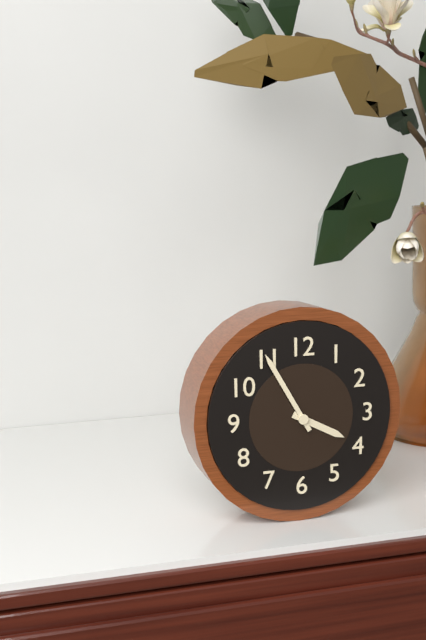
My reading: 3:55
